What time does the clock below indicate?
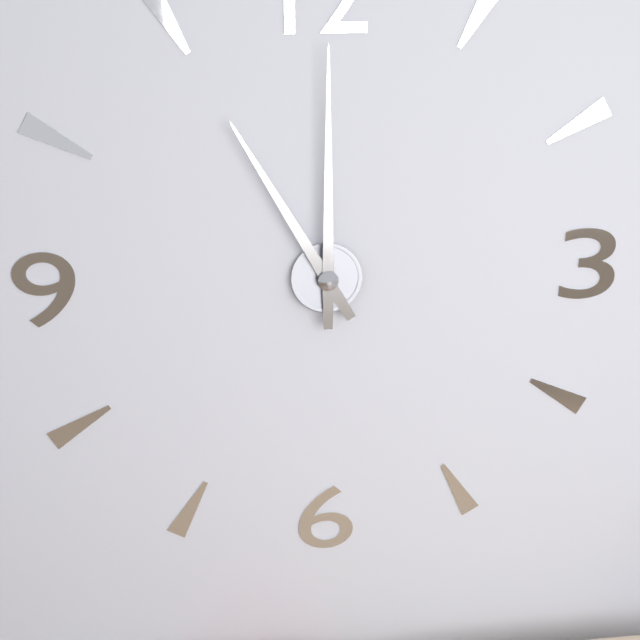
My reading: 11:00
